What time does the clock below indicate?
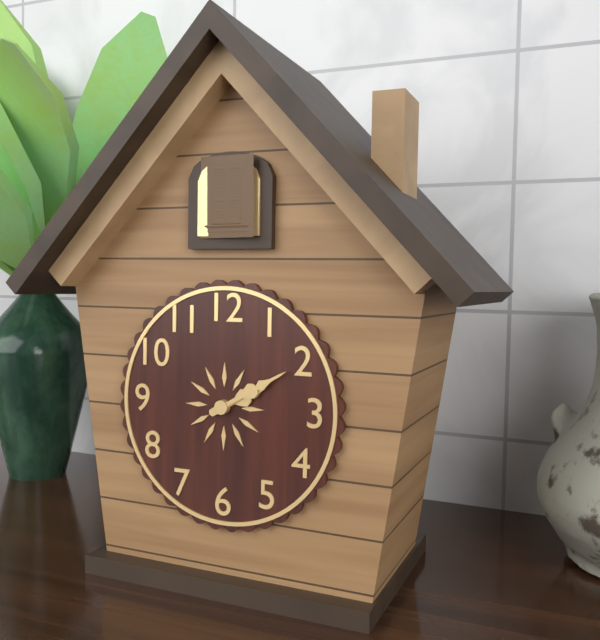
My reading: 2:10
